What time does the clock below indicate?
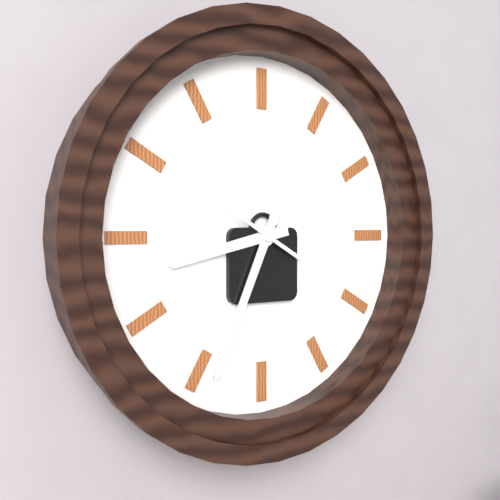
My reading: 8:34:50
